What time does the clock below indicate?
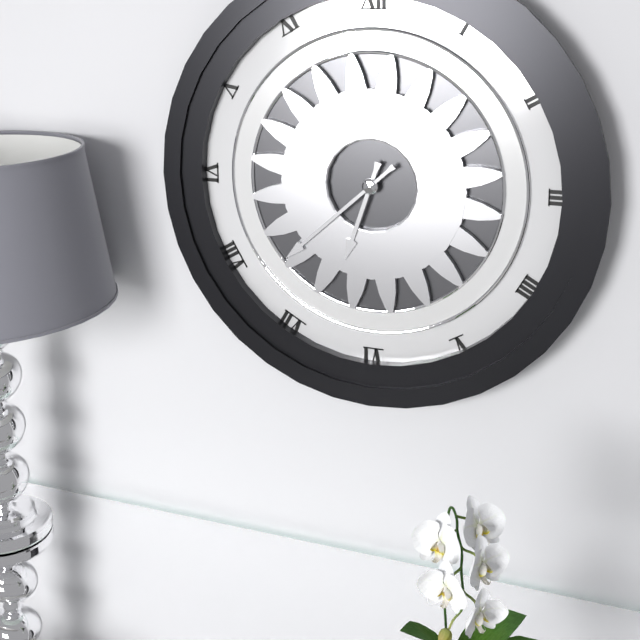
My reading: 6:38
